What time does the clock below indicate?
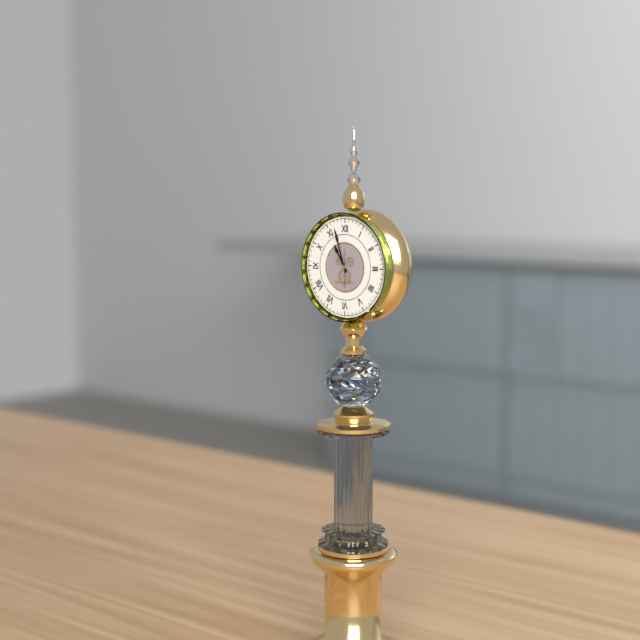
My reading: 10:57
